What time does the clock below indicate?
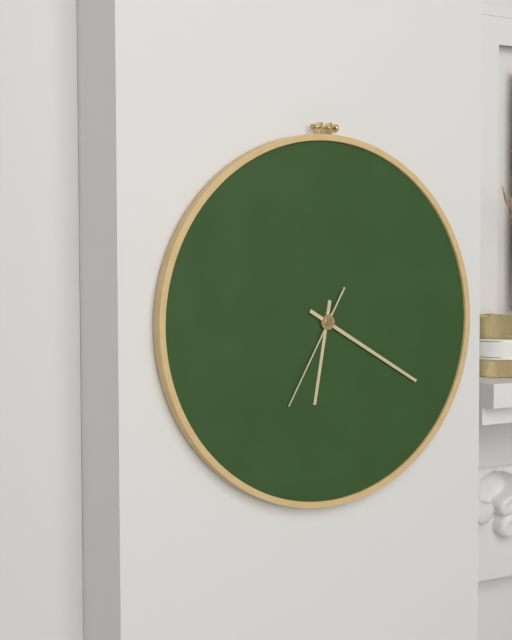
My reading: 6:20:35
